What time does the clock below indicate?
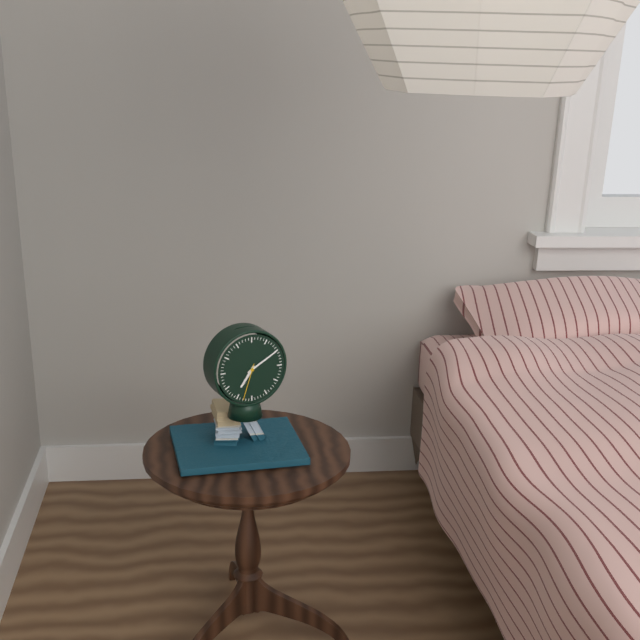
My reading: 7:10
